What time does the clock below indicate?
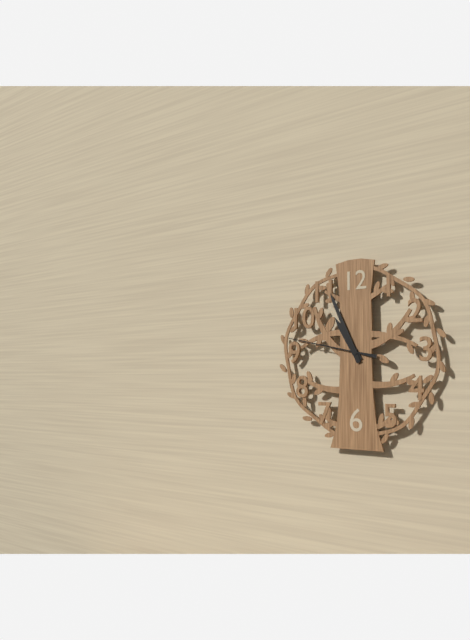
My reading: 10:56:47
